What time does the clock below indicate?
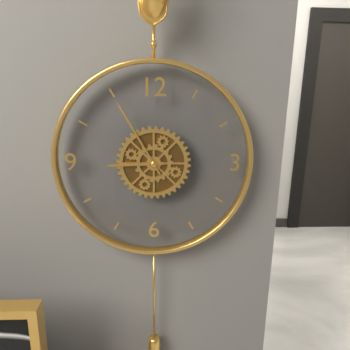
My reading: 8:55
